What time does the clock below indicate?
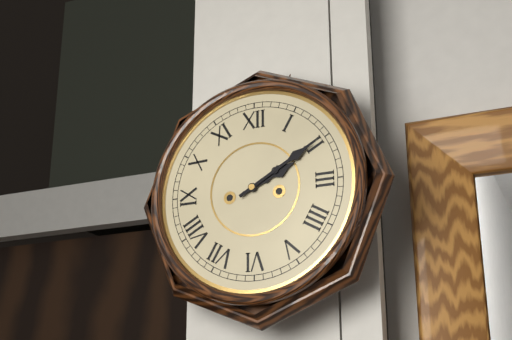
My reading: 2:10
